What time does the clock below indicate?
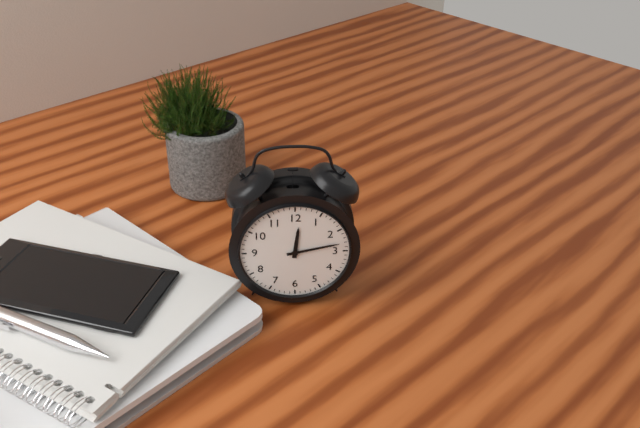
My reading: 12:13
